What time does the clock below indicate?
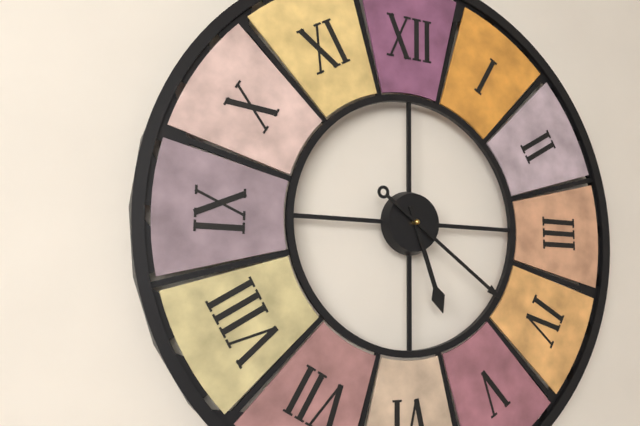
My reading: 5:21
